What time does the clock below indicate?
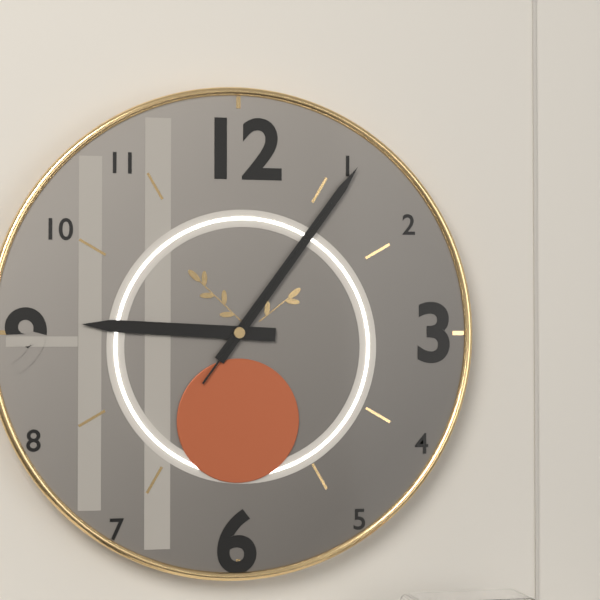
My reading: 9:06:06
